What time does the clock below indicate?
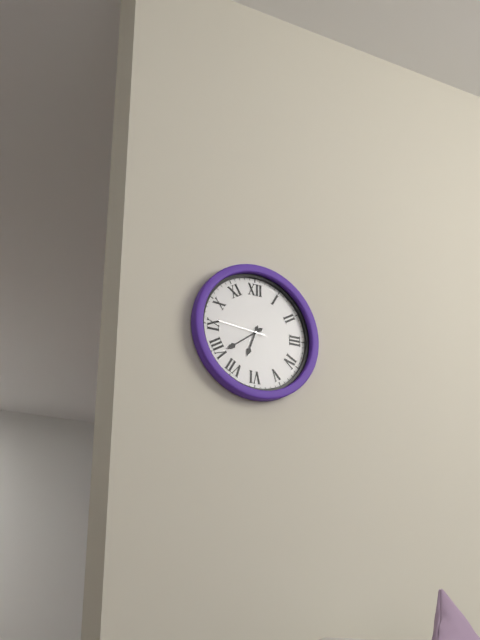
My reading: 6:39
